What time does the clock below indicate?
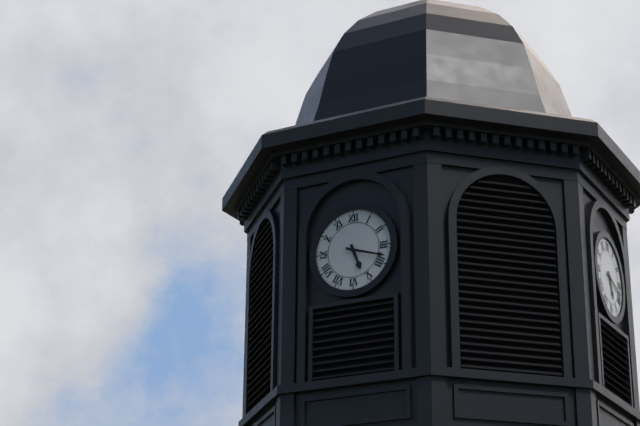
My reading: 5:18
